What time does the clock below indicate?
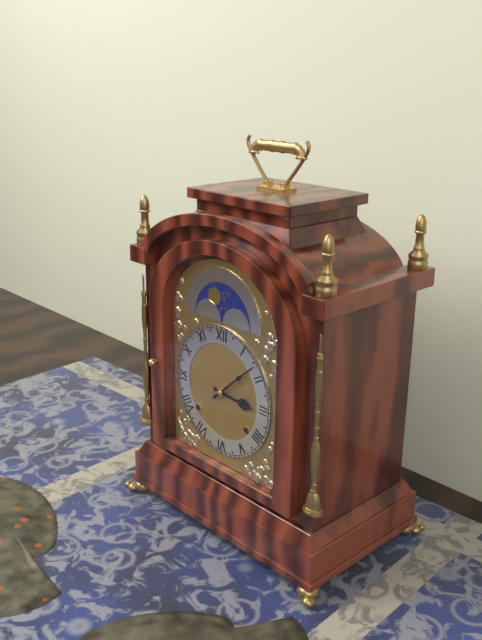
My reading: 3:08
